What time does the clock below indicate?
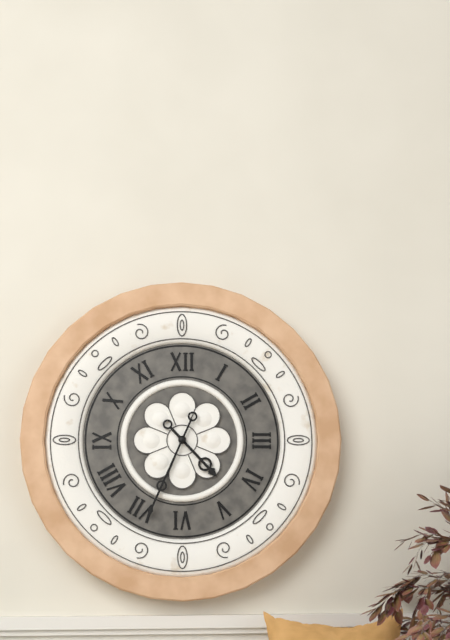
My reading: 4:34
